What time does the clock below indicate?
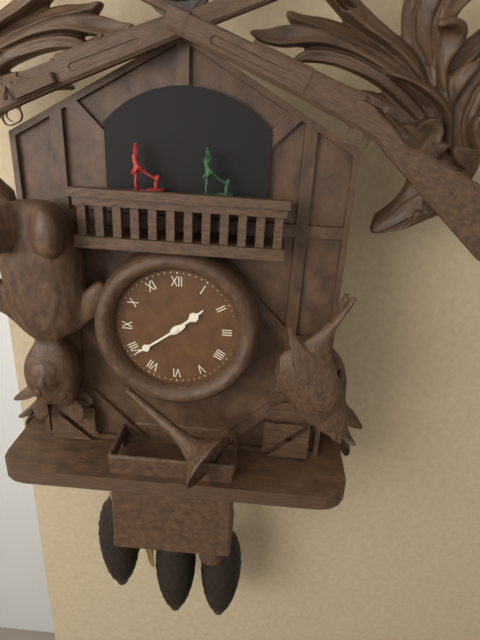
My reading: 1:39
